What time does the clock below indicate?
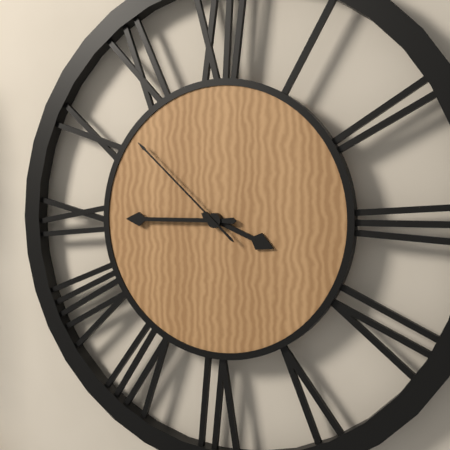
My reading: 3:45:52
